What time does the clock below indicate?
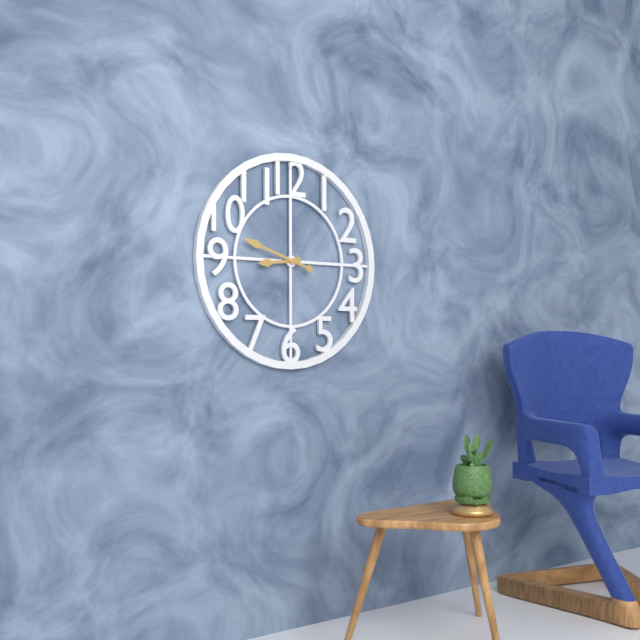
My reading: 8:48
